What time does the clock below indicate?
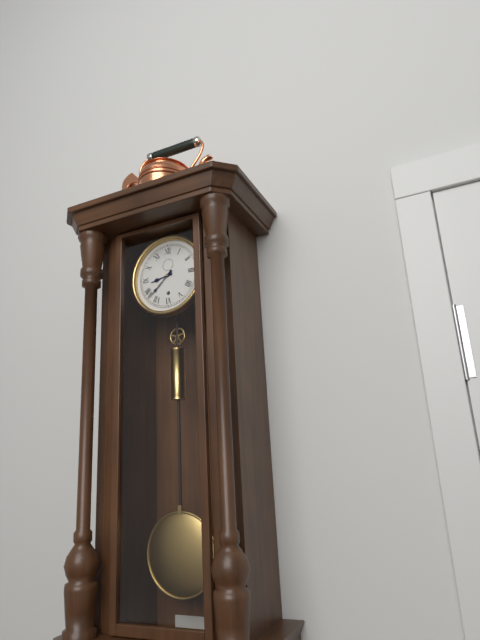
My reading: 8:38
